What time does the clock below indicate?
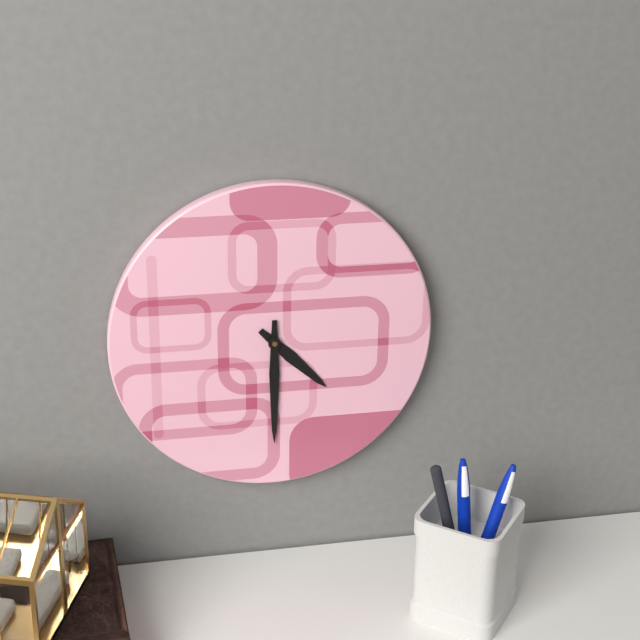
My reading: 4:30
